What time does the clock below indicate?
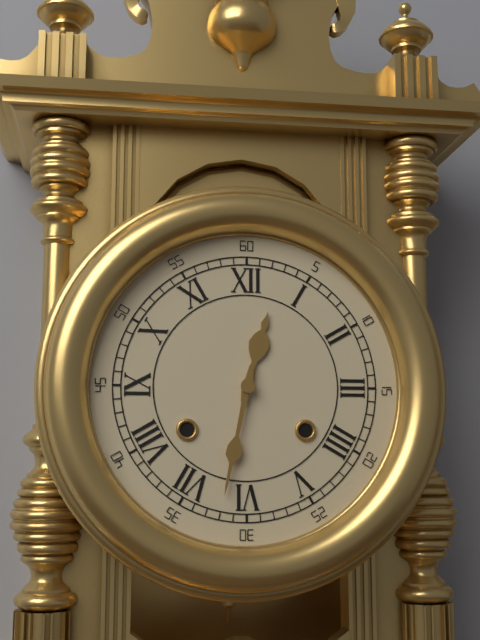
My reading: 12:32
